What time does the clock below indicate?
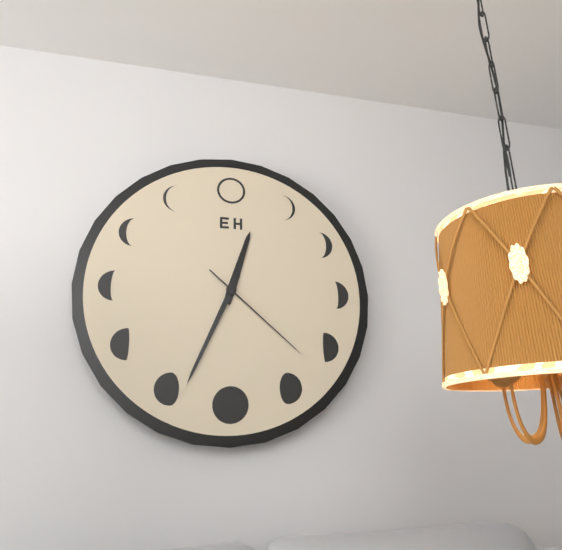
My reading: 12:34:22
